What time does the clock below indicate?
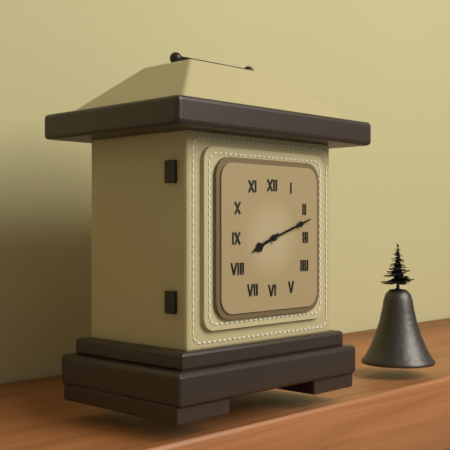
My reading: 8:12
